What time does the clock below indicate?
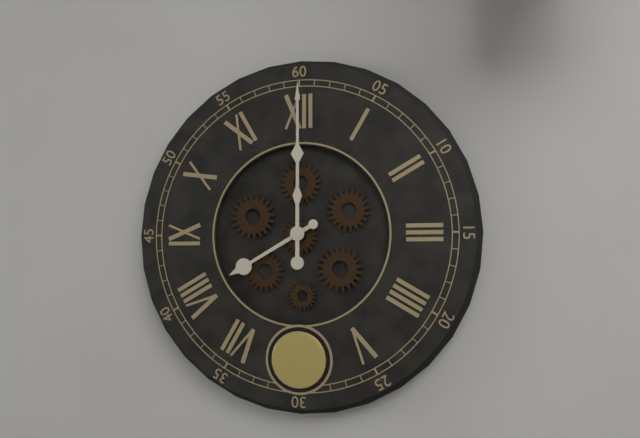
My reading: 8:00
